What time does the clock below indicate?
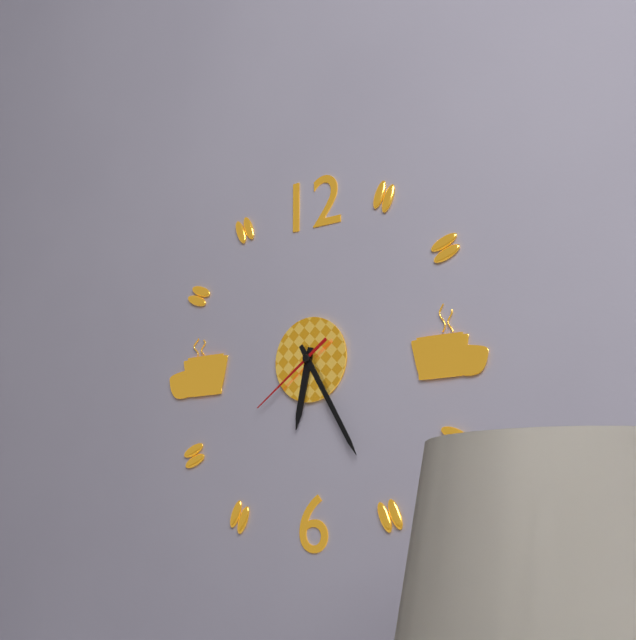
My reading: 6:25:39
